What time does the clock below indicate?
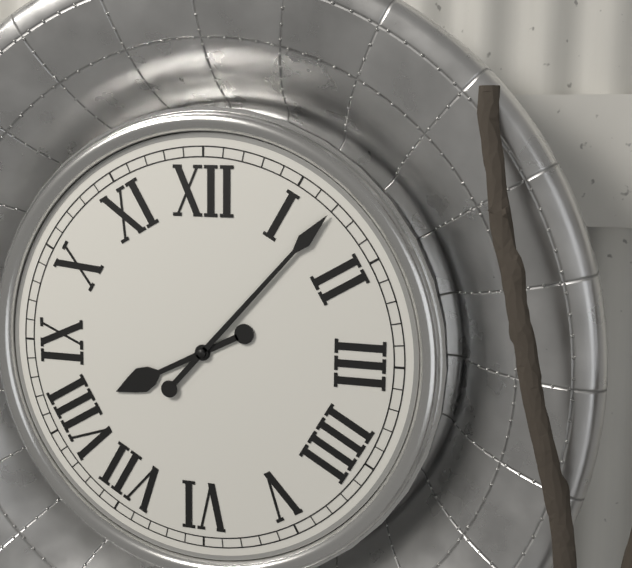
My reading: 8:07
